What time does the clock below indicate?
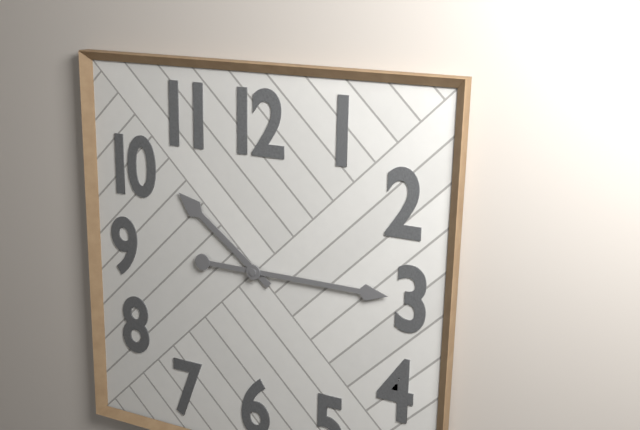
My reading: 10:15
